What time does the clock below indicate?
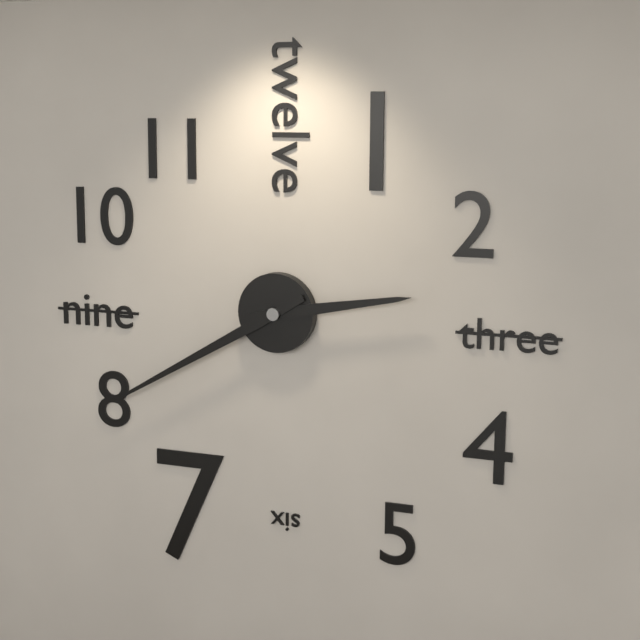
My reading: 2:40
